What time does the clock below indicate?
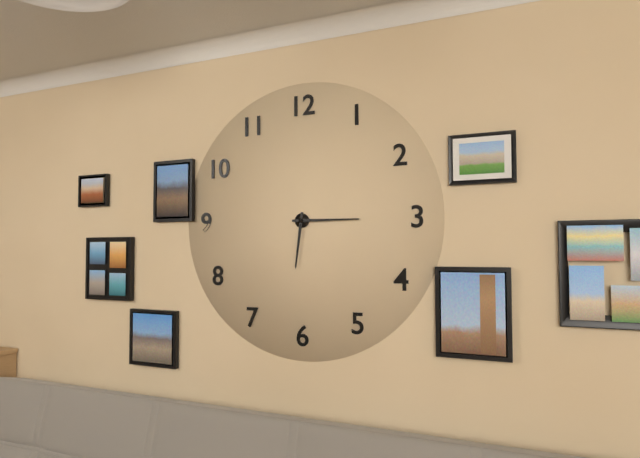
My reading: 6:15
